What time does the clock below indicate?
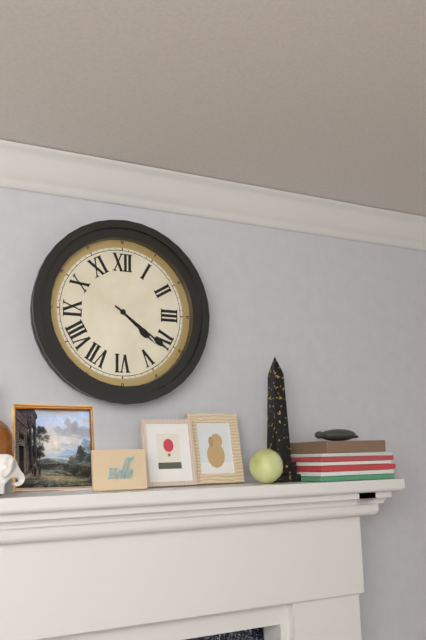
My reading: 4:21
